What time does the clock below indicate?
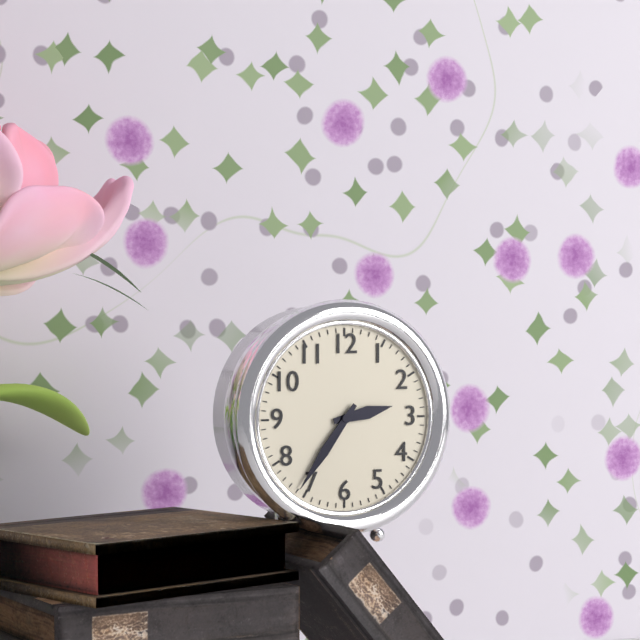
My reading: 2:36
